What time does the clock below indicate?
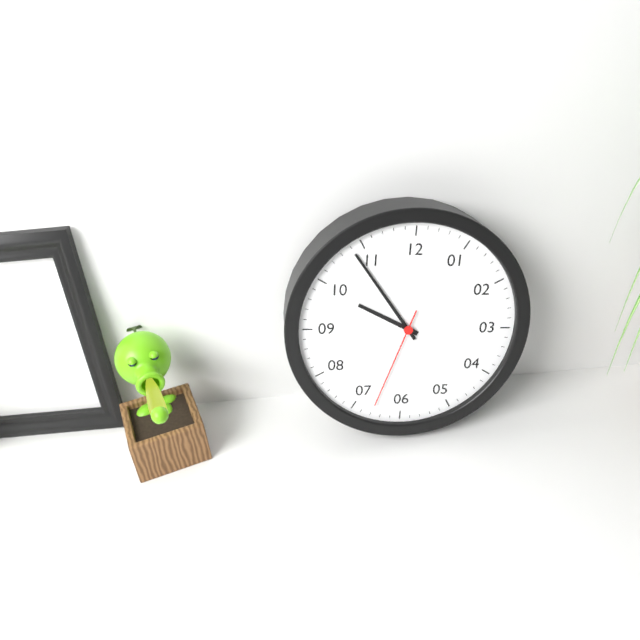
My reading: 9:54:33
